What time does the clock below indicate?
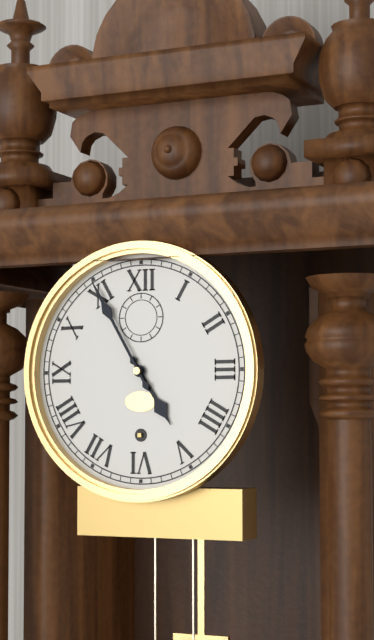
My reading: 4:55
